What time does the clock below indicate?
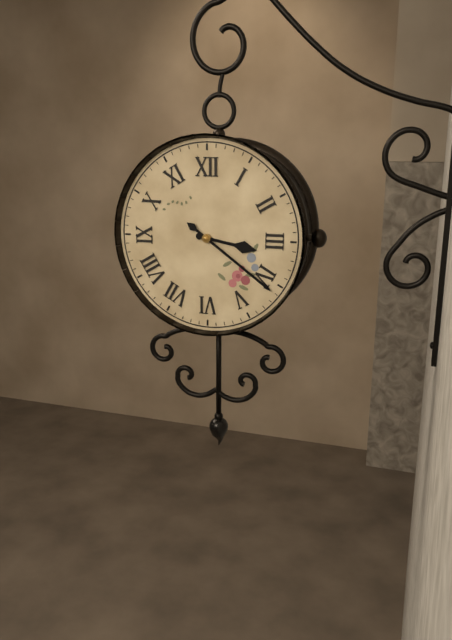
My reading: 3:21
